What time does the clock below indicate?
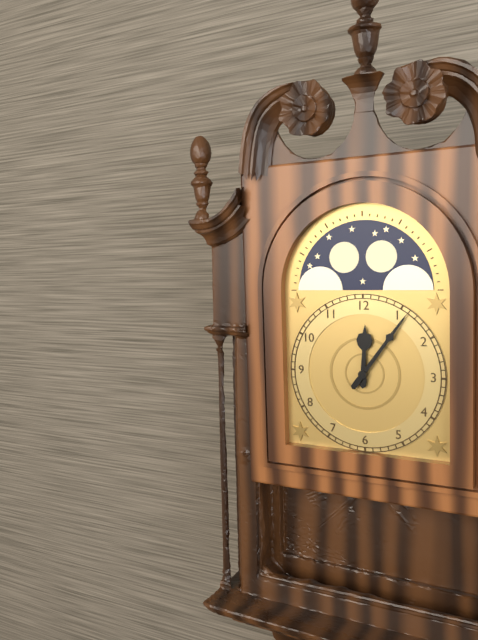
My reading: 12:06
